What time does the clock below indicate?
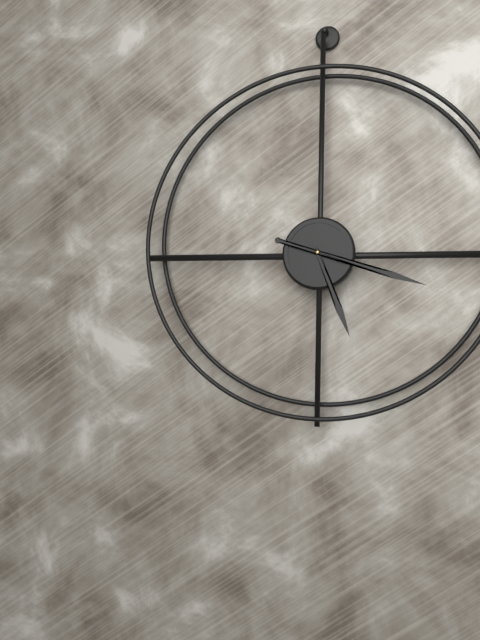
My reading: 5:18
